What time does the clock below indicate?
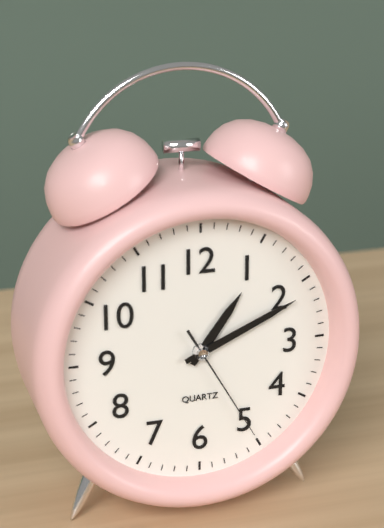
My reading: 1:11:25
